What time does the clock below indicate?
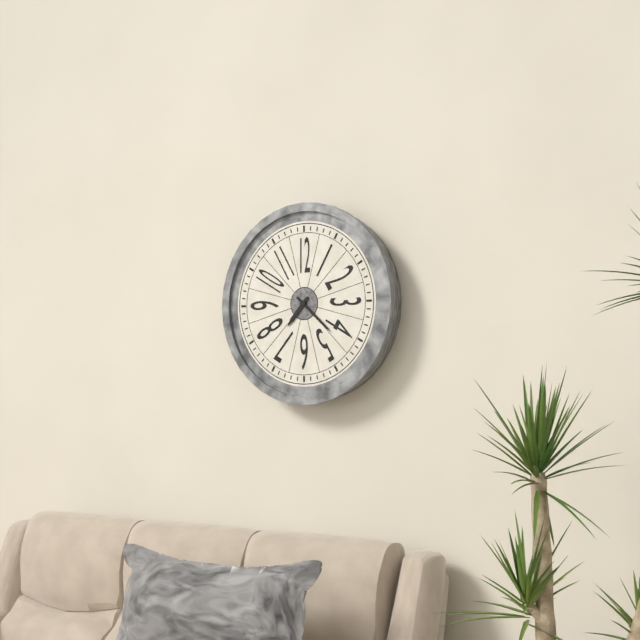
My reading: 7:22
